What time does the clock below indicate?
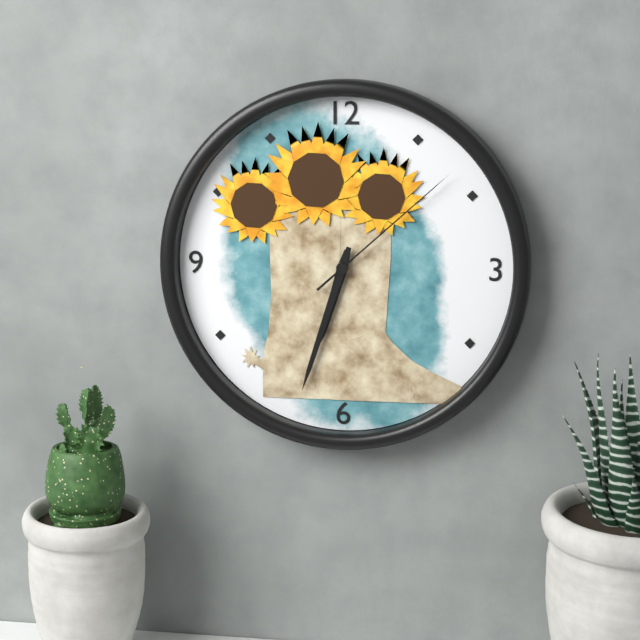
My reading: 6:33:08
